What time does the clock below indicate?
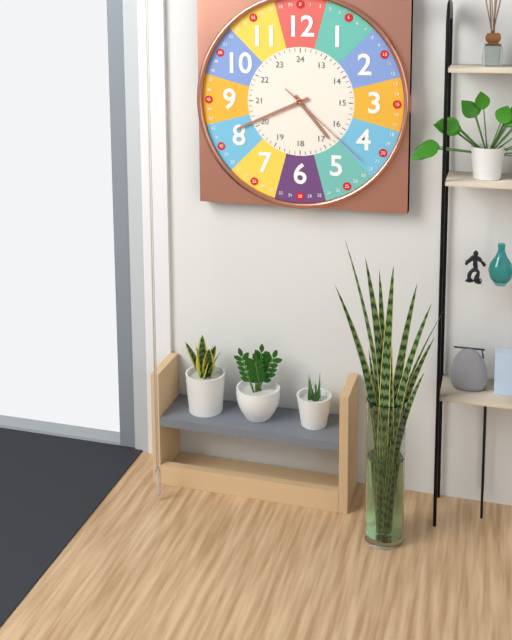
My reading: 4:41:22
